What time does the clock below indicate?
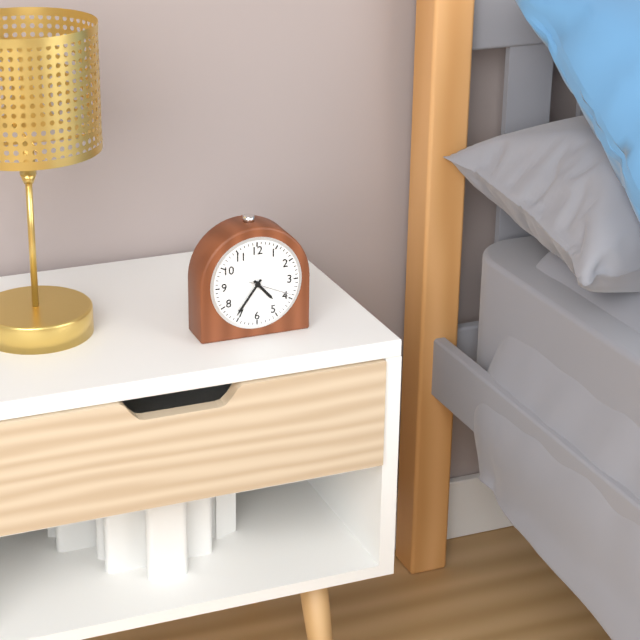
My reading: 4:36
